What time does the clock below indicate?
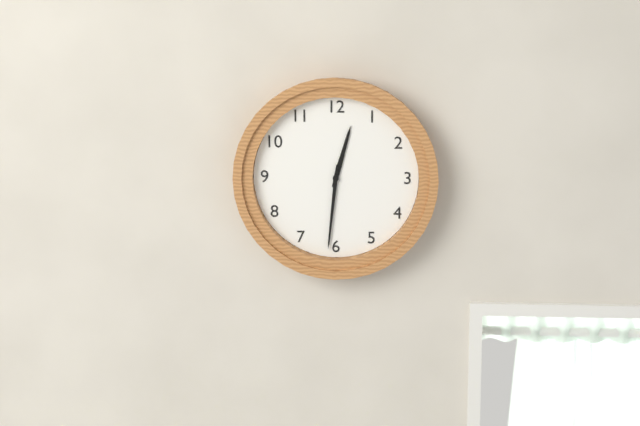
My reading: 12:31
